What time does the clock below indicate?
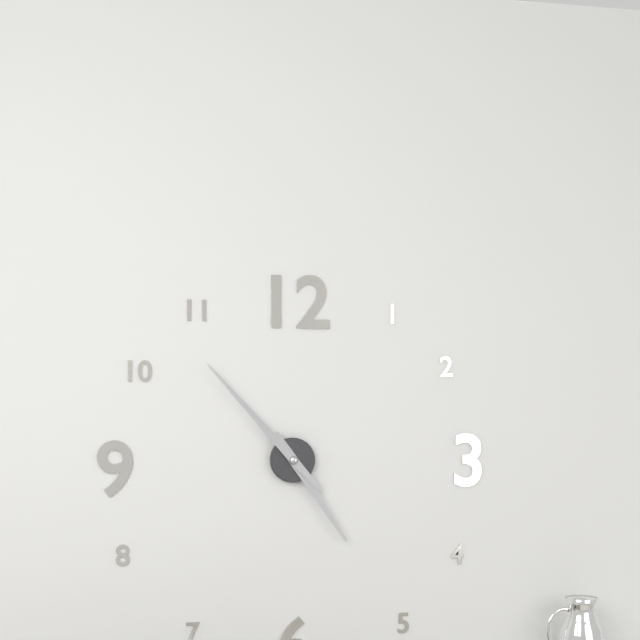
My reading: 4:53
